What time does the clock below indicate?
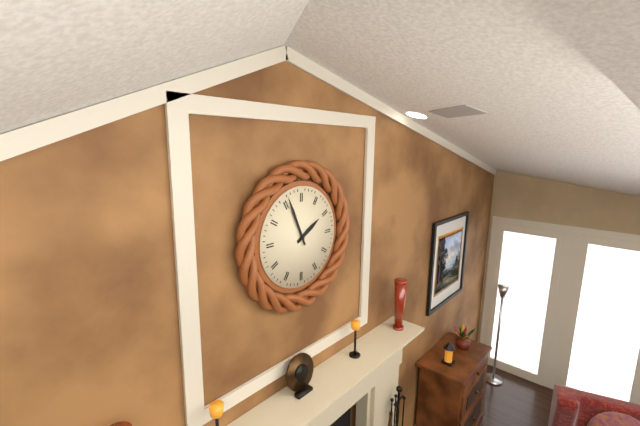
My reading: 1:56
